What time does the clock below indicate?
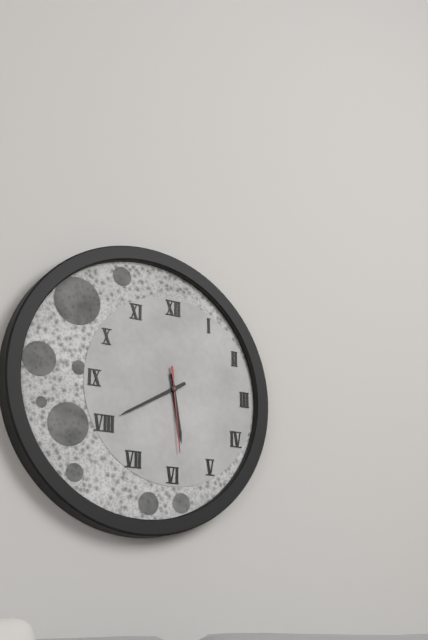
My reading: 5:40:29
